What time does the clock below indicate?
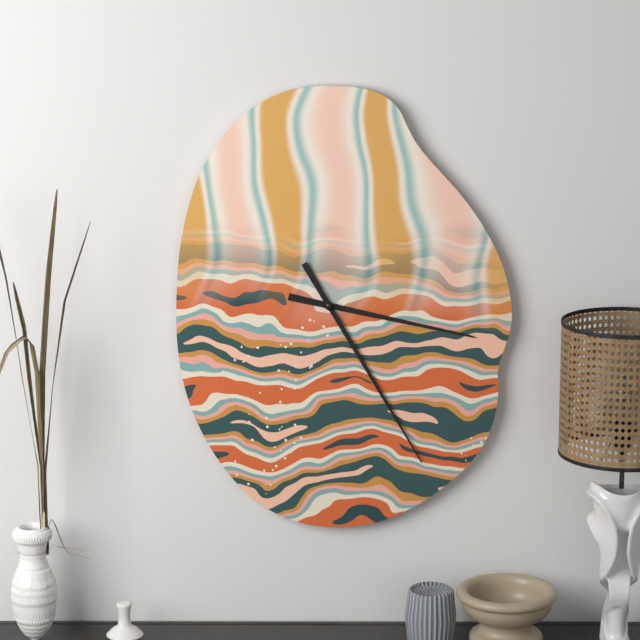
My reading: 3:25
